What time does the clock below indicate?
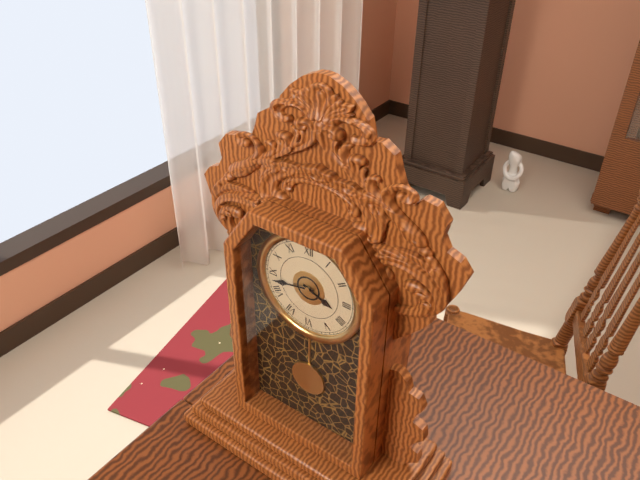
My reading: 3:43
